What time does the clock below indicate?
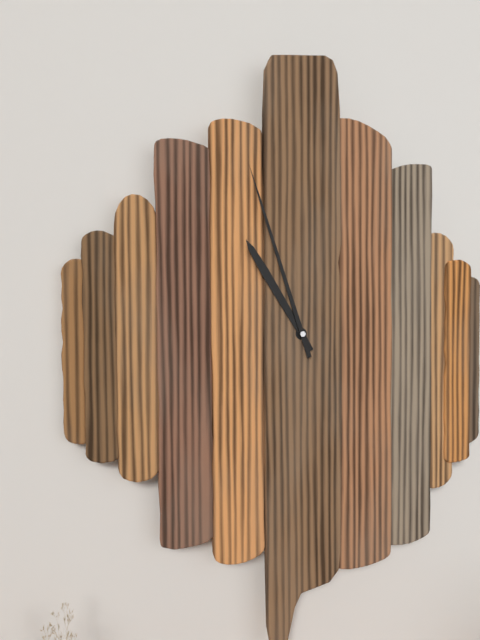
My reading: 10:57
